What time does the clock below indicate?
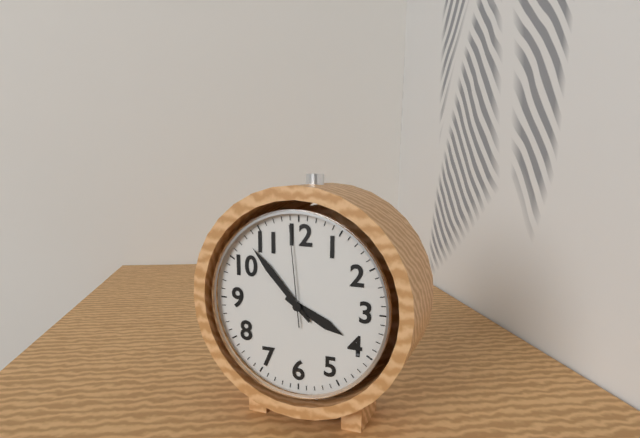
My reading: 3:53:59
